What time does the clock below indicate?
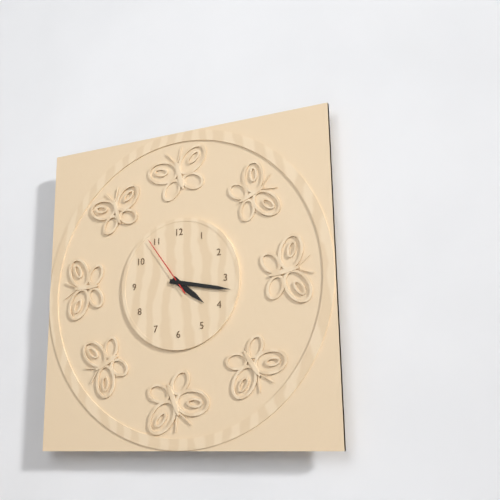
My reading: 4:17:54
